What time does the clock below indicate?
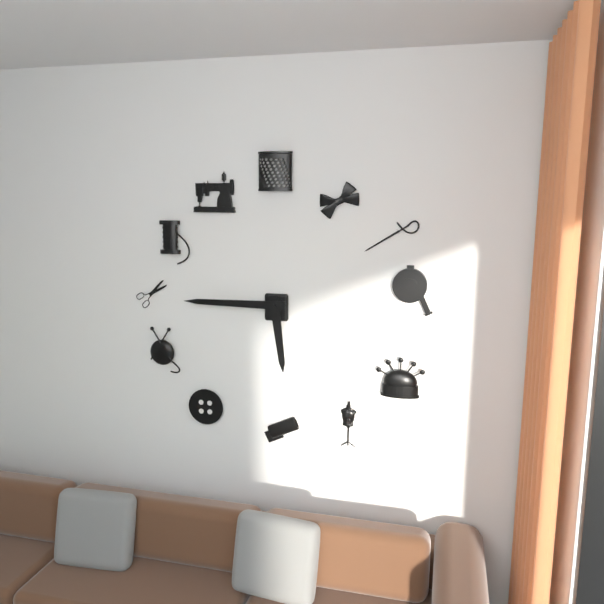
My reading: 5:45
